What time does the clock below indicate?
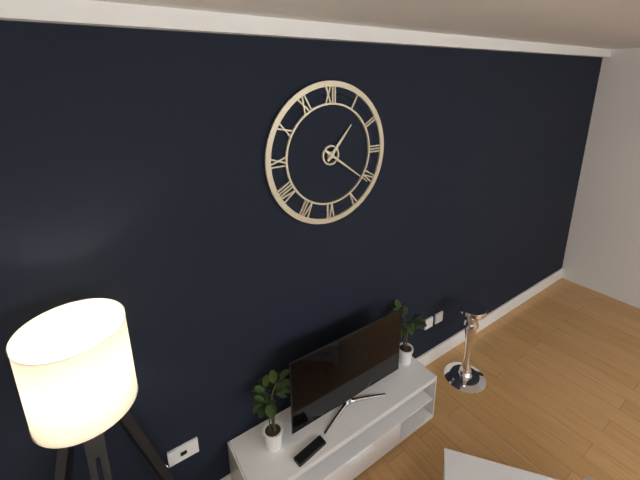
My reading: 1:21
